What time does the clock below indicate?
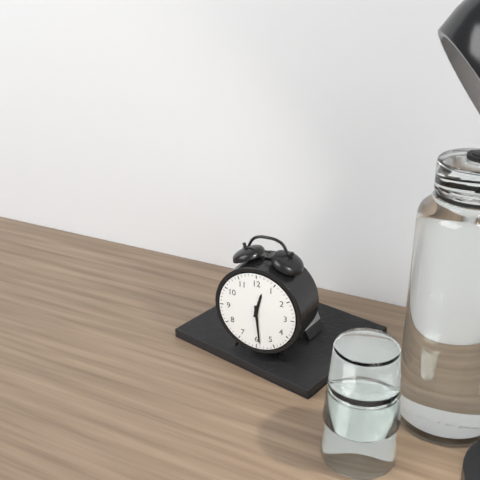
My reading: 12:29
